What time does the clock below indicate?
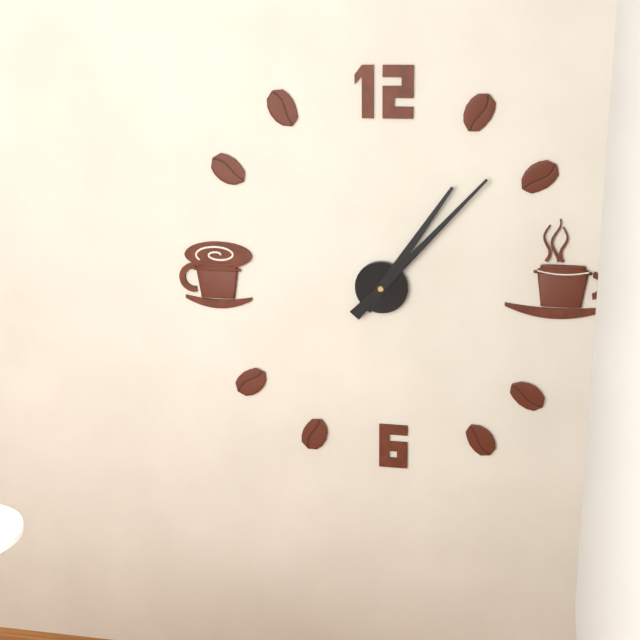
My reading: 1:07
